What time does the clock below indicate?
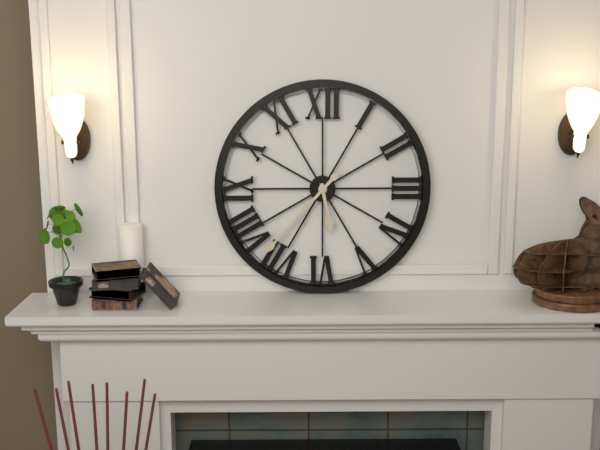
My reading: 5:37
